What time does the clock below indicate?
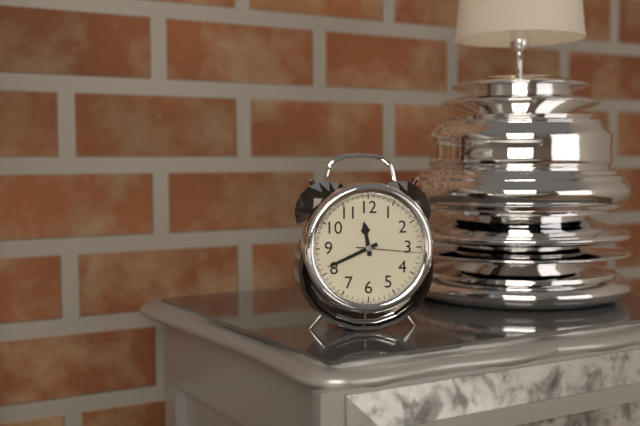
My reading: 11:41:16
